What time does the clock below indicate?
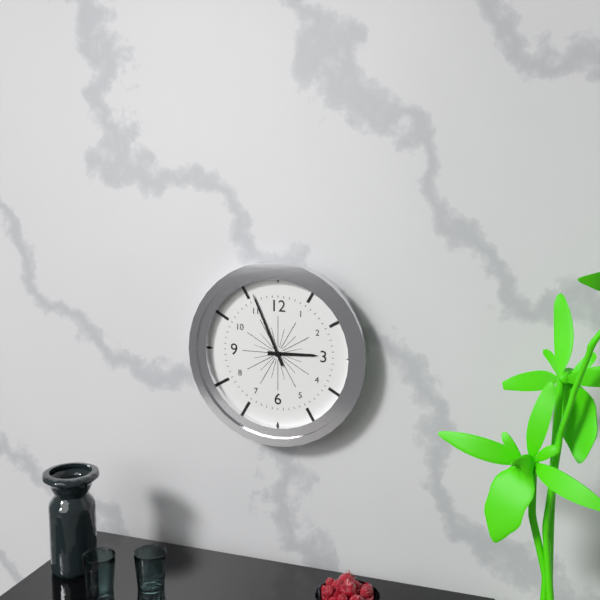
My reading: 2:56
